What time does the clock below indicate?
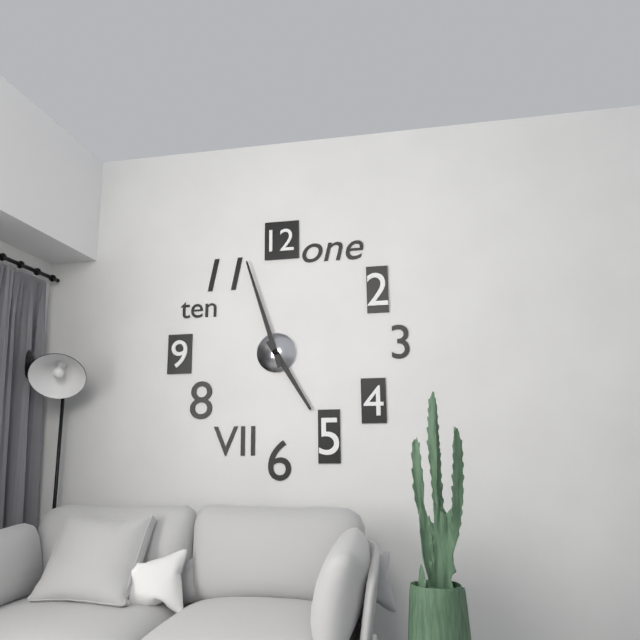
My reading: 4:57
